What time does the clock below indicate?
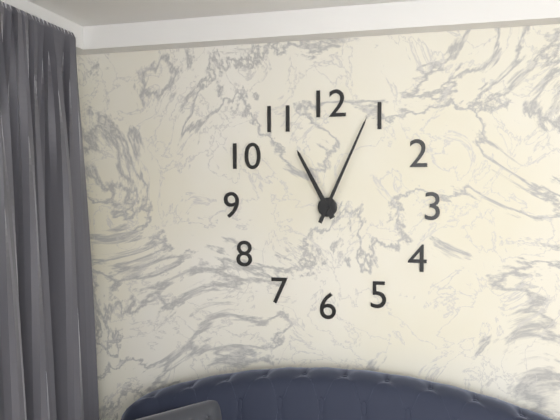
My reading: 11:04
